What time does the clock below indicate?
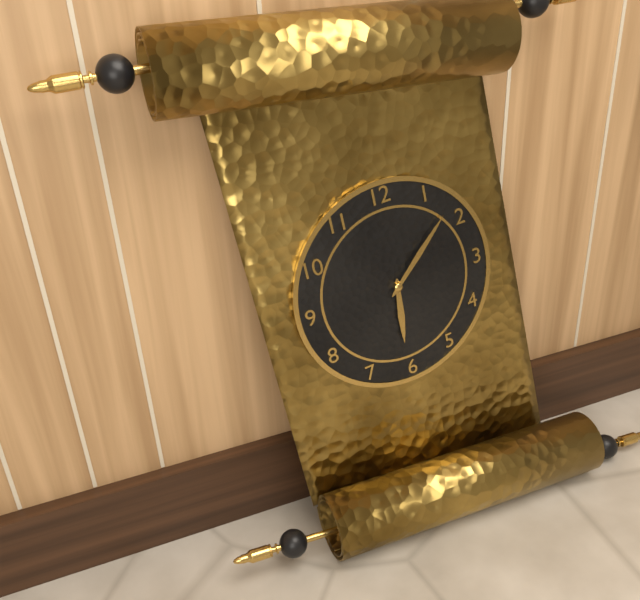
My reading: 6:08
